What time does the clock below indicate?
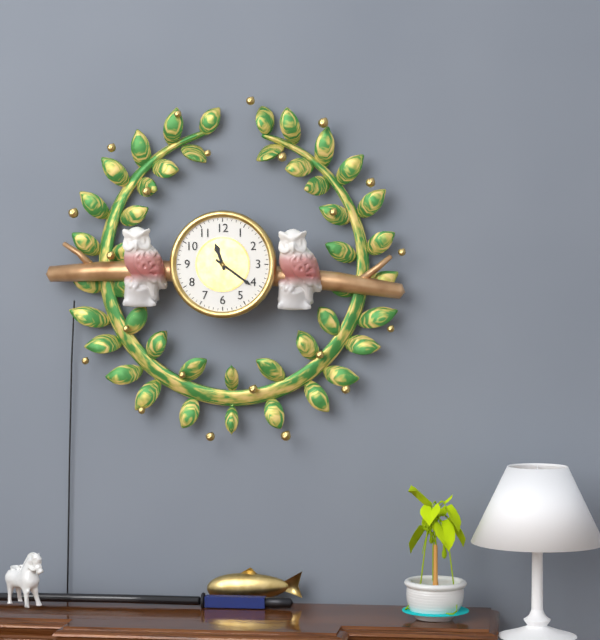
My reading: 11:21
